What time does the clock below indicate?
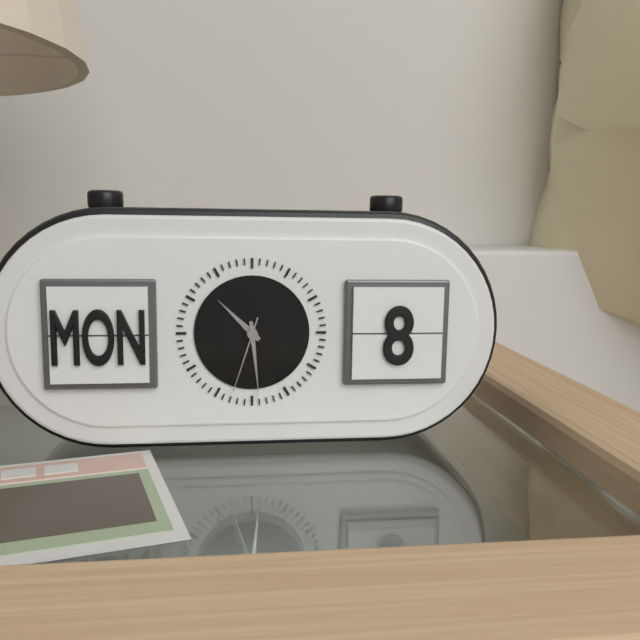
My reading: 10:29:33
